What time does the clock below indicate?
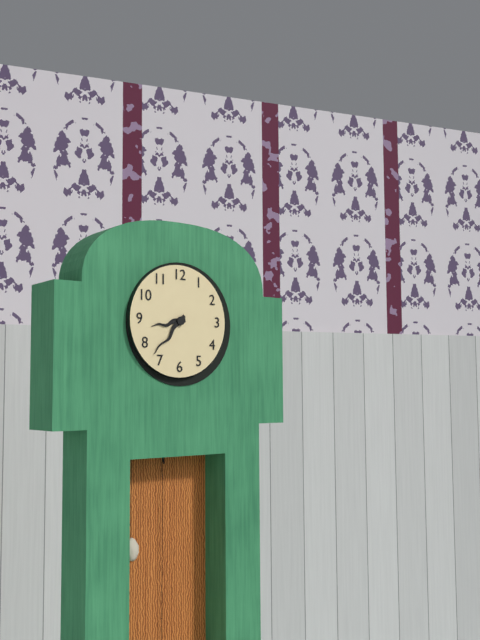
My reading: 8:37
